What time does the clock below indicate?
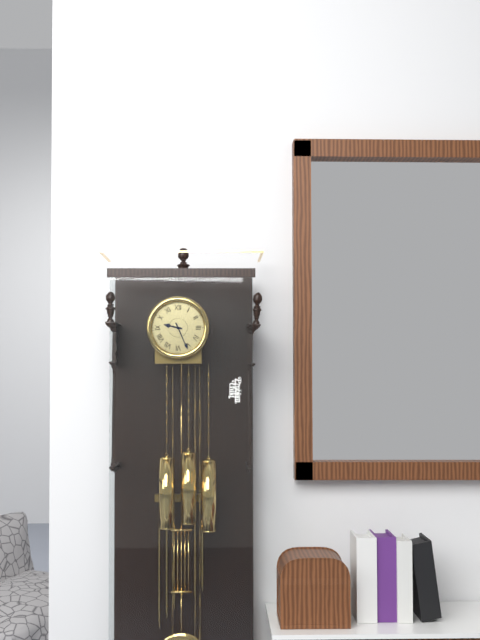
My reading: 9:26
